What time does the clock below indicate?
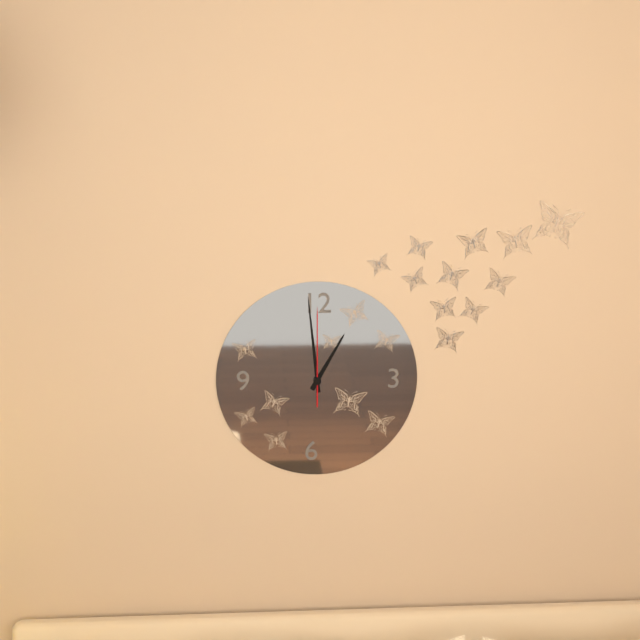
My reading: 12:59:00
